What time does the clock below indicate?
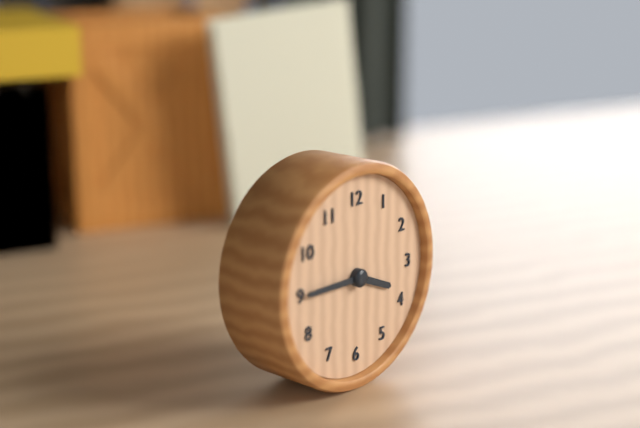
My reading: 3:45
